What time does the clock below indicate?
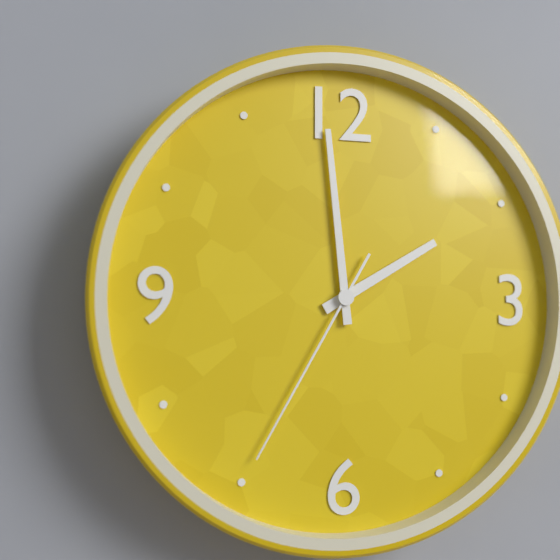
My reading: 1:59:35
